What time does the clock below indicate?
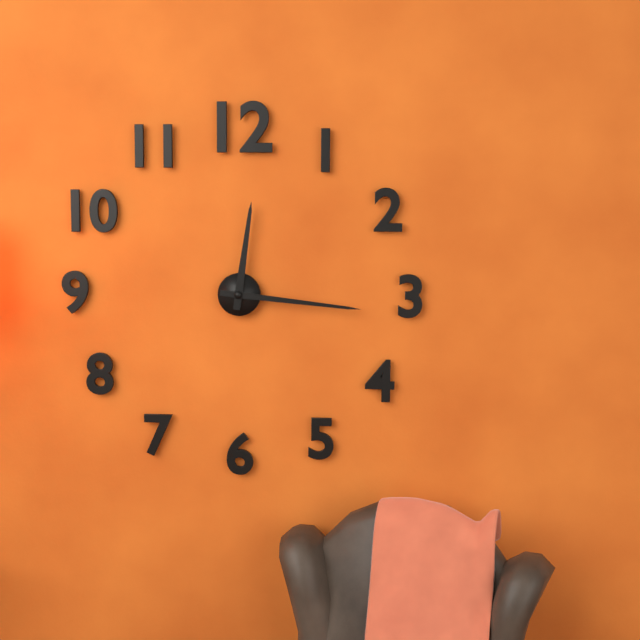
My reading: 12:16
